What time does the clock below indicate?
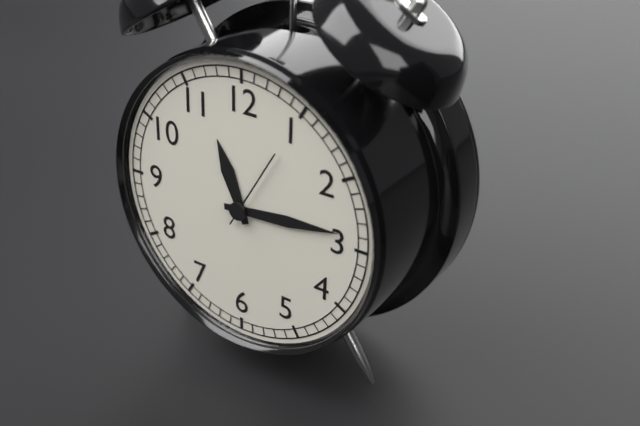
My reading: 11:14:05
